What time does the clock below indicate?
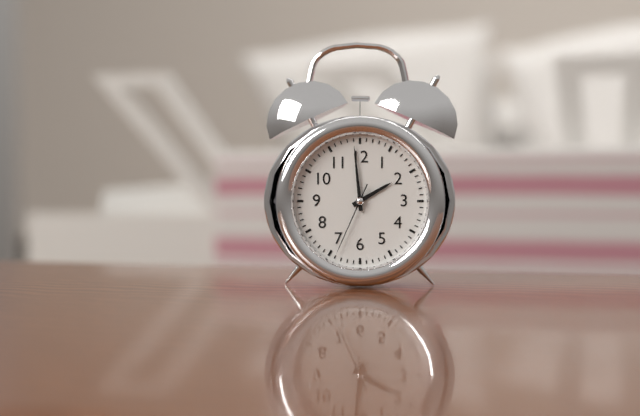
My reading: 1:59:34
